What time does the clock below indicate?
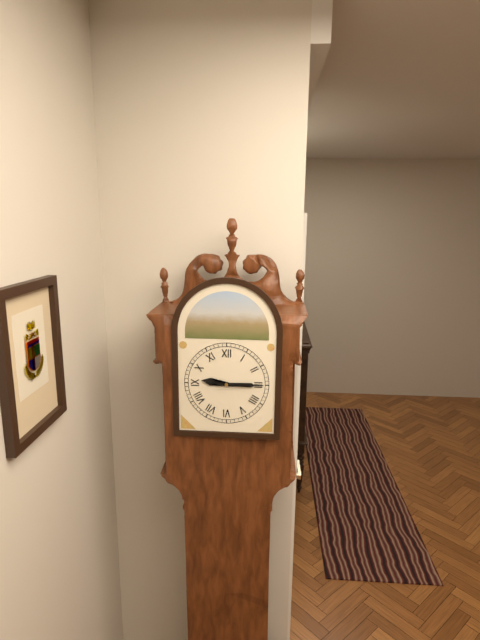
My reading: 9:15
